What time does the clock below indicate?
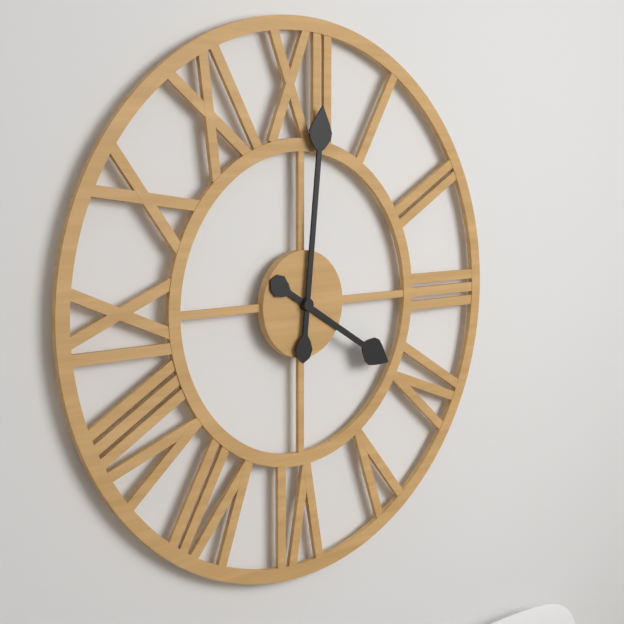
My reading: 4:01
